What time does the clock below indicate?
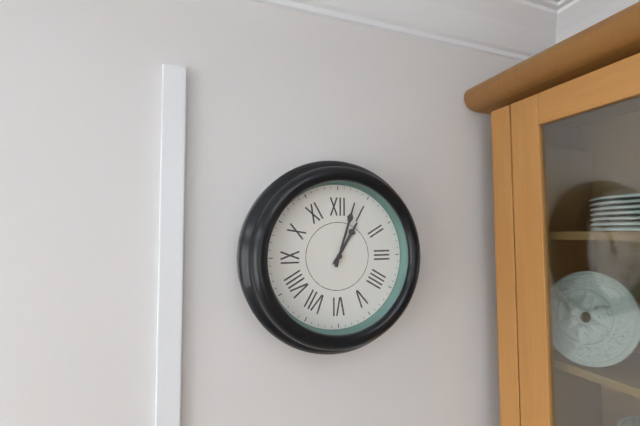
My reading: 1:03
